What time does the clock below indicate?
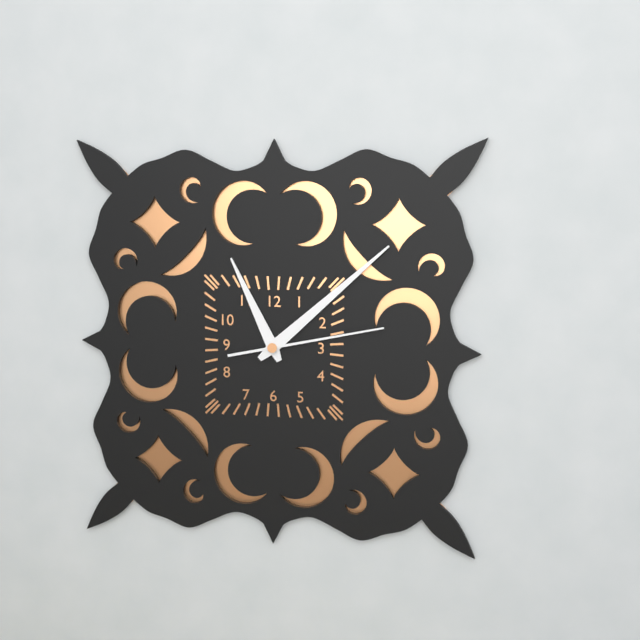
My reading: 11:08:13
